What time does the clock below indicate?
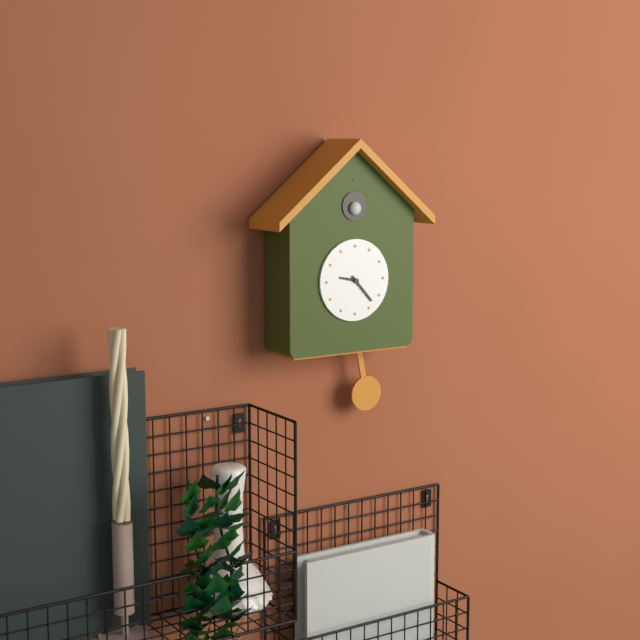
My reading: 9:23
